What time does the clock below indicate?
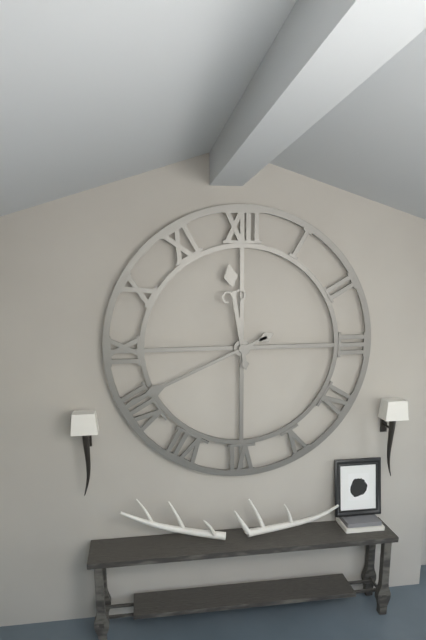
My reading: 11:41
